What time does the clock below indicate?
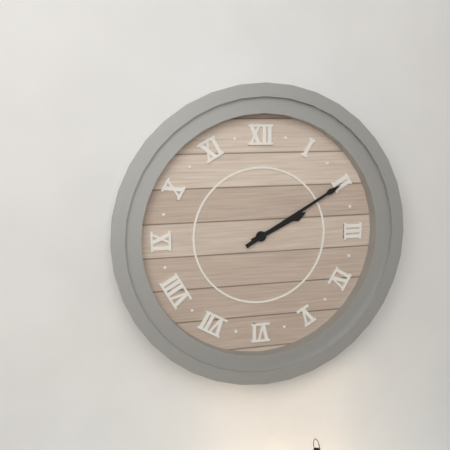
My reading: 2:10
